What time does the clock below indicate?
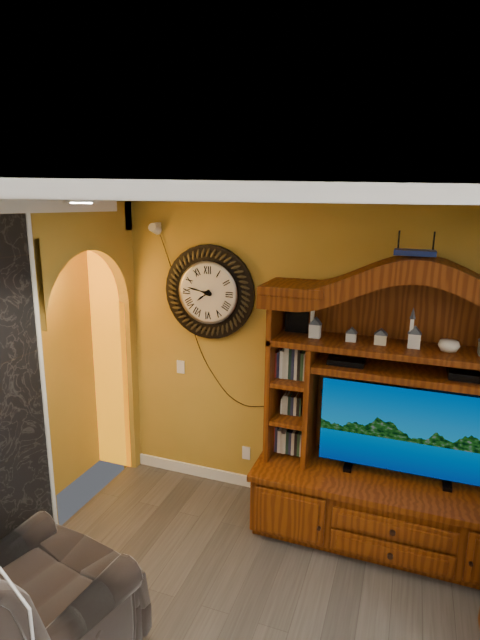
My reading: 7:47
